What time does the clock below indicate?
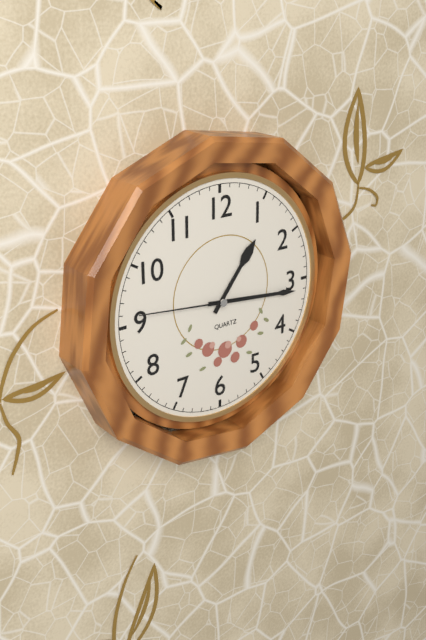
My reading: 1:16:46
